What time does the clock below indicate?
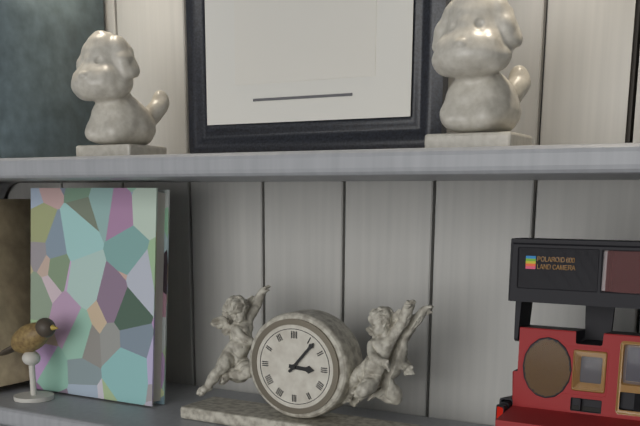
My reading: 3:07
